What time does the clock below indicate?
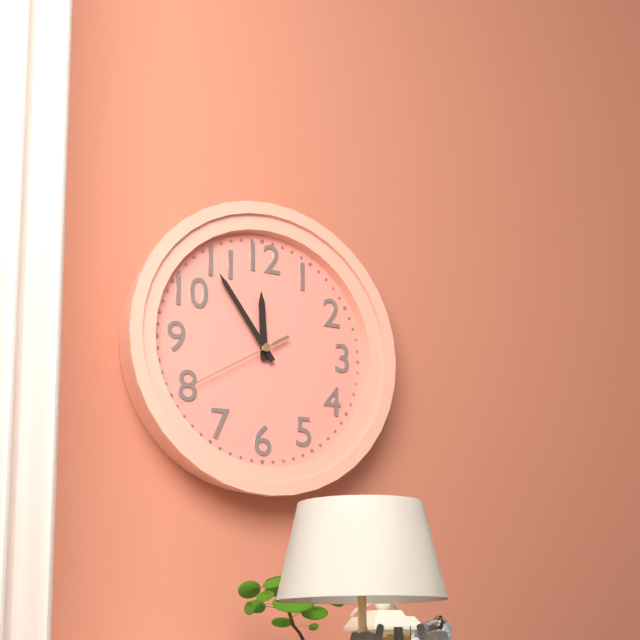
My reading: 11:54:40
